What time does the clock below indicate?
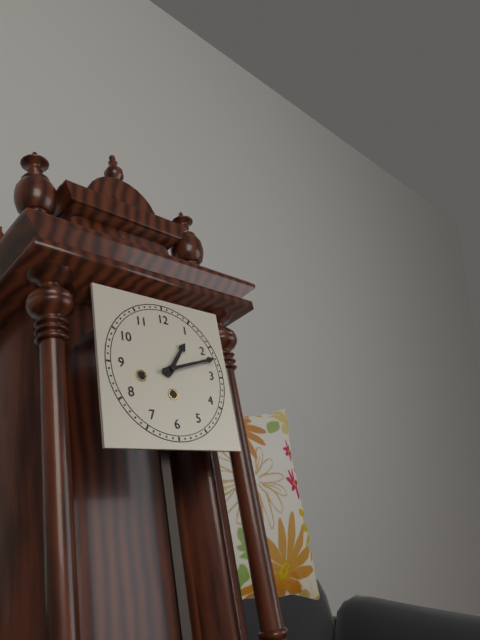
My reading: 1:12
